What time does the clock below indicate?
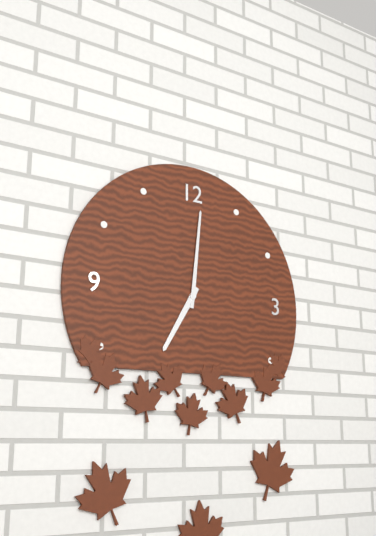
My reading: 7:01
